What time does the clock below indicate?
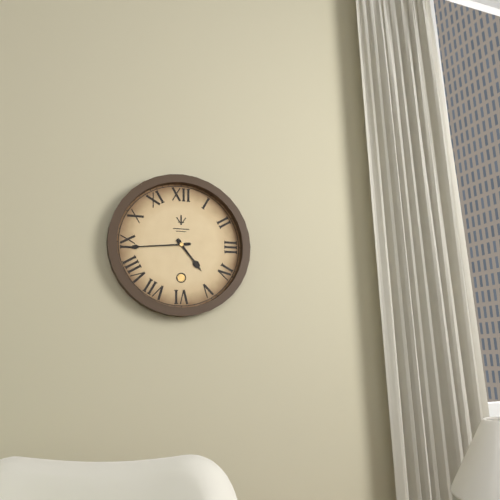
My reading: 4:44
